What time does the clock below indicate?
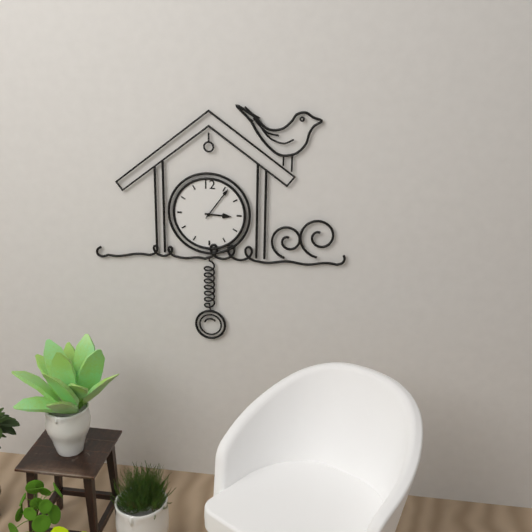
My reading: 3:06
